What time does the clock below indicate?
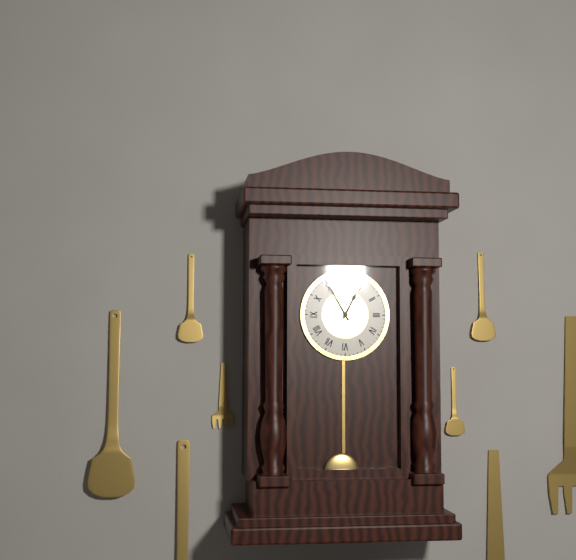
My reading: 12:55
